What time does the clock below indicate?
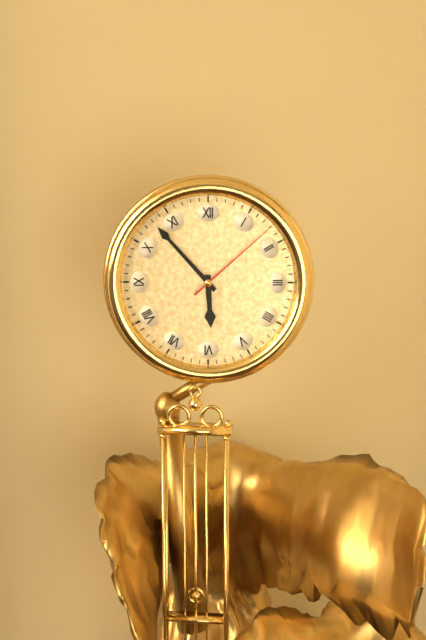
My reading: 5:53:08
